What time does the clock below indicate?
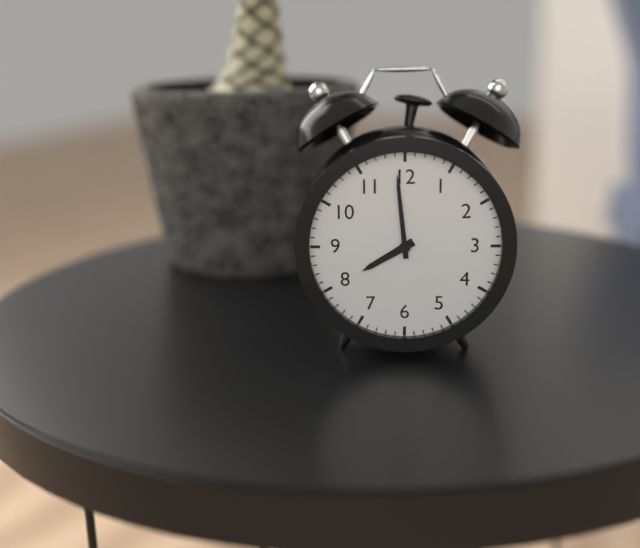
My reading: 7:59
